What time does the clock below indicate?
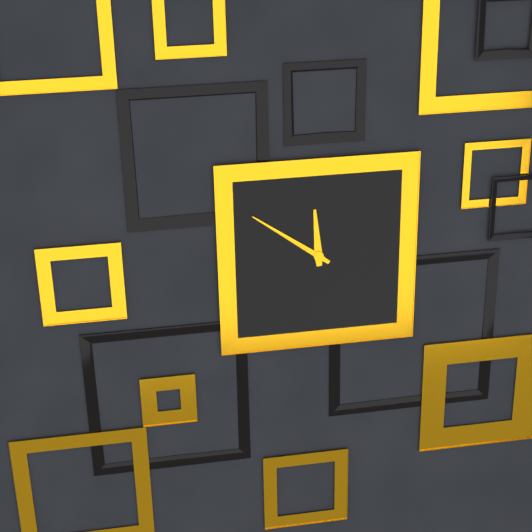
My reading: 11:51
